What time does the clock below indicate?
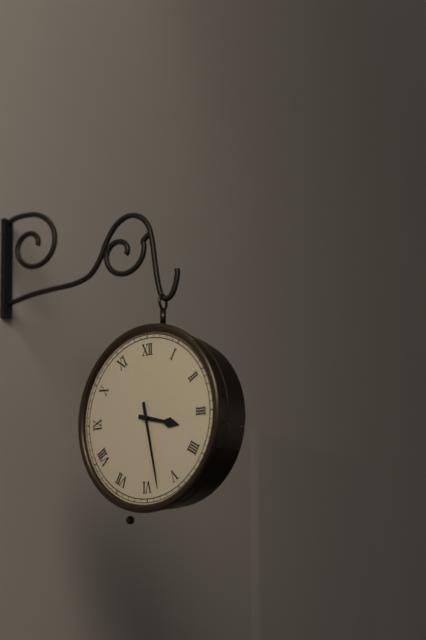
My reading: 3:28
